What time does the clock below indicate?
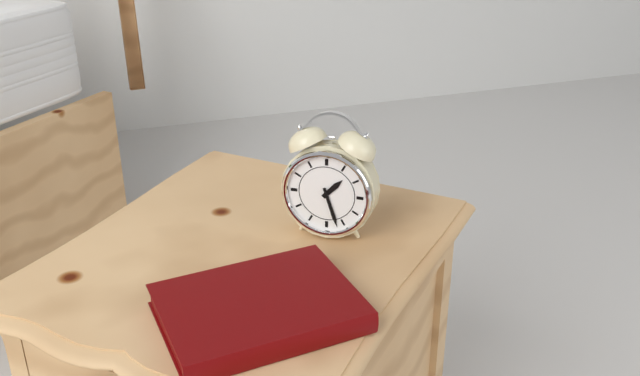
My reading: 1:27
